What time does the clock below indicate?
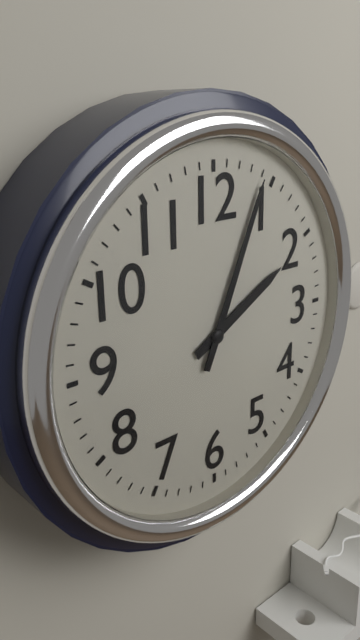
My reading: 2:04
